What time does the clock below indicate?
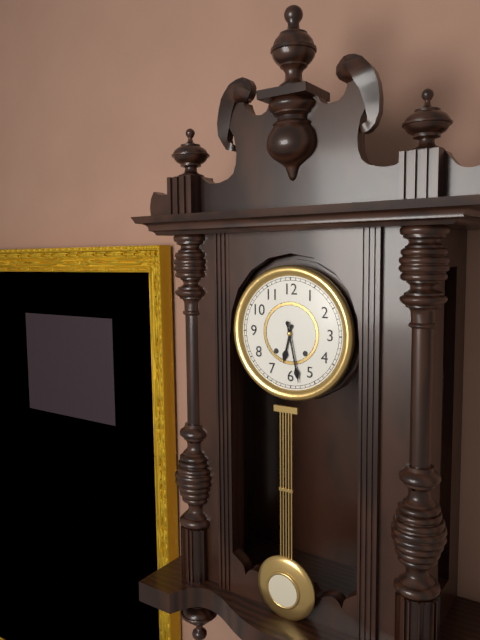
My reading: 6:28
